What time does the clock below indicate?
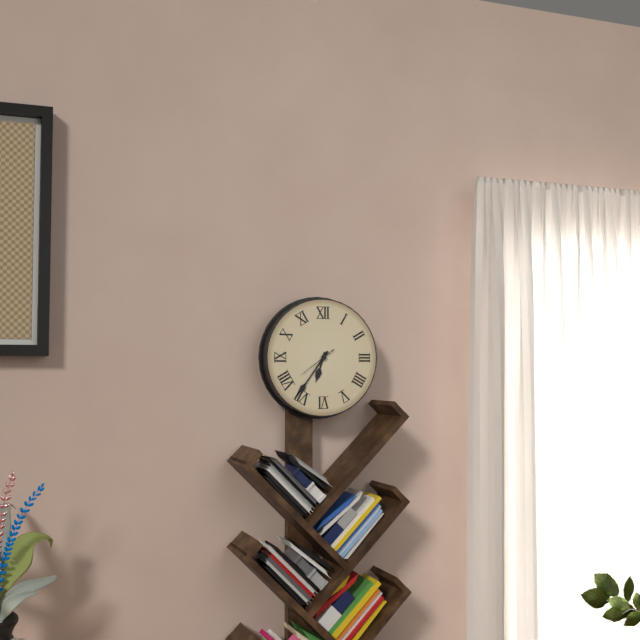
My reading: 6:36
